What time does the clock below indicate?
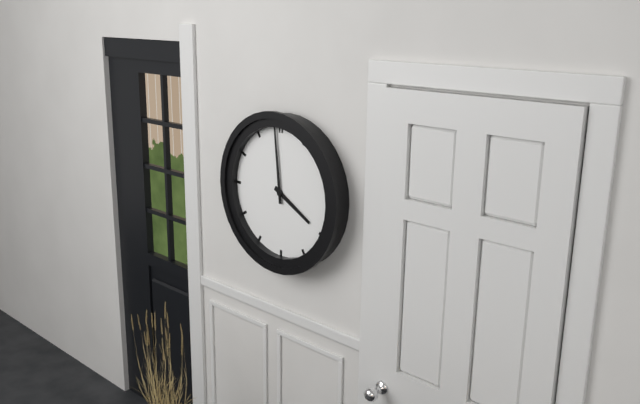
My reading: 3:59
